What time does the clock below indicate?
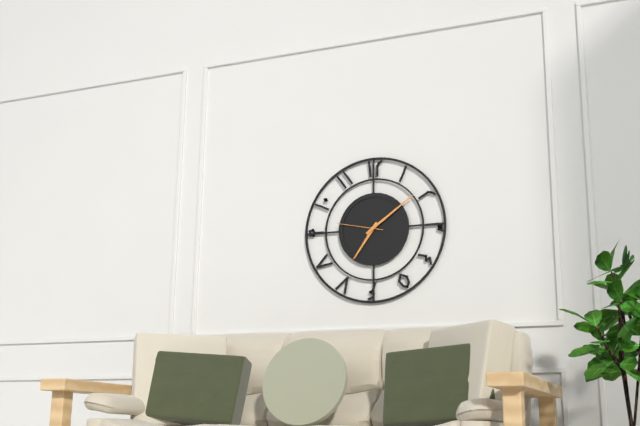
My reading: 7:09
